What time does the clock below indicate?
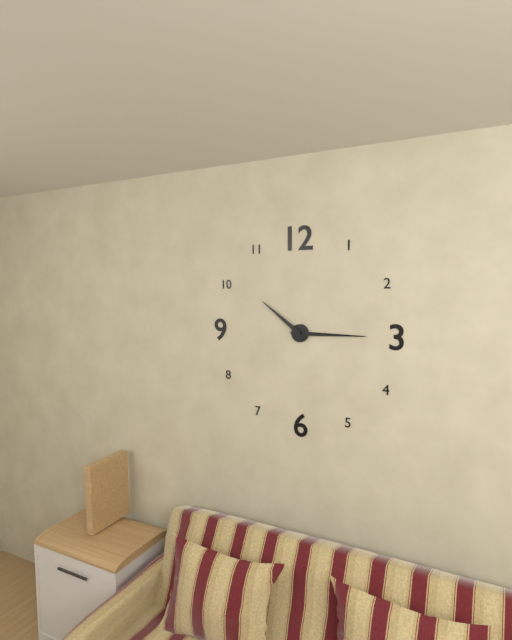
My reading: 10:15
